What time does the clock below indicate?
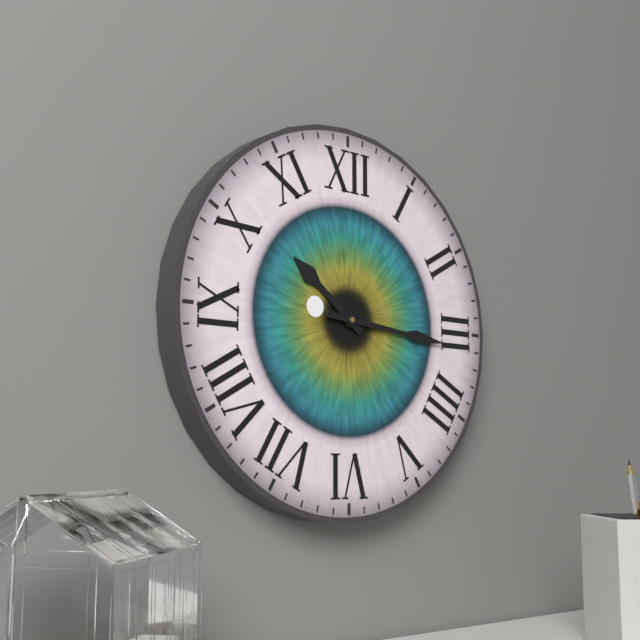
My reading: 10:16
